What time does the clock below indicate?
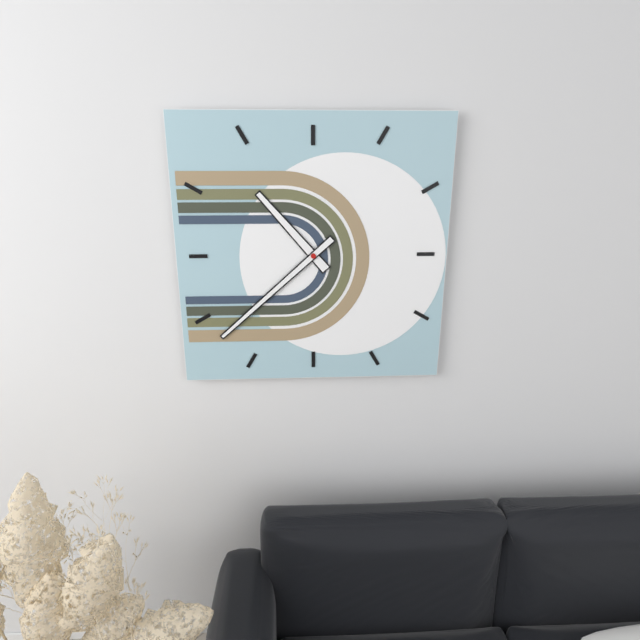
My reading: 10:38
